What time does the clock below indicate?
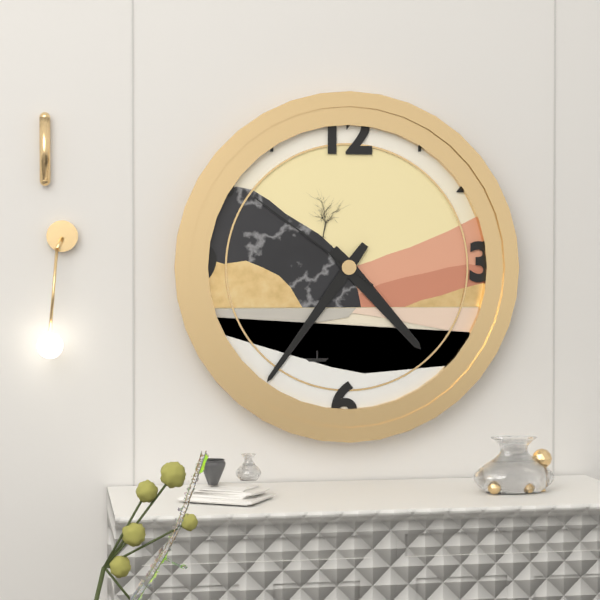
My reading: 4:36:51
